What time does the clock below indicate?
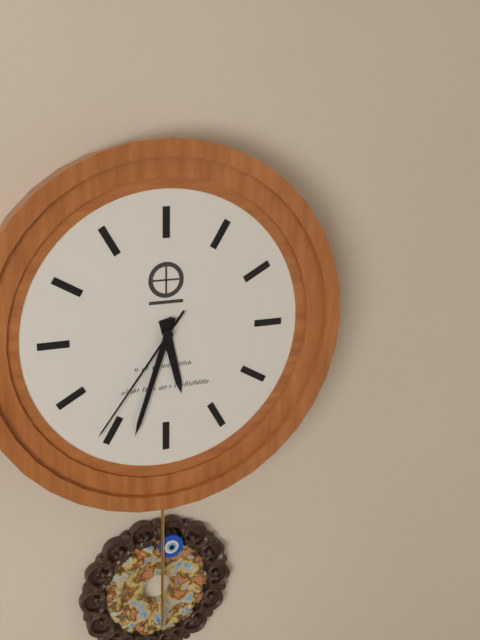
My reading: 5:33:36
